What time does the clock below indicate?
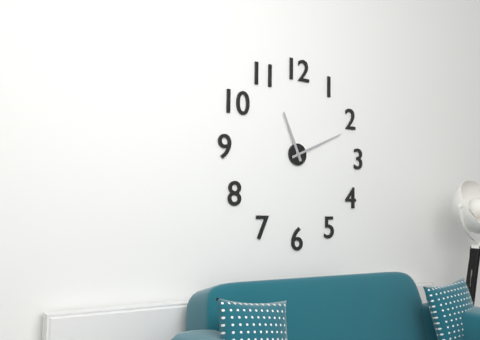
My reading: 11:11
